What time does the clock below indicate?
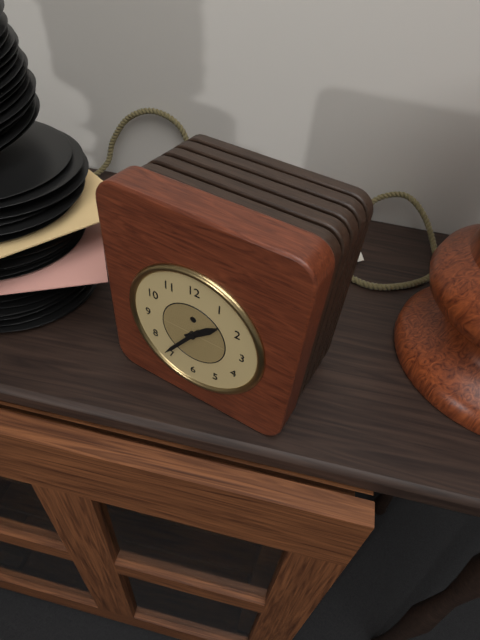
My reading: 1:36
